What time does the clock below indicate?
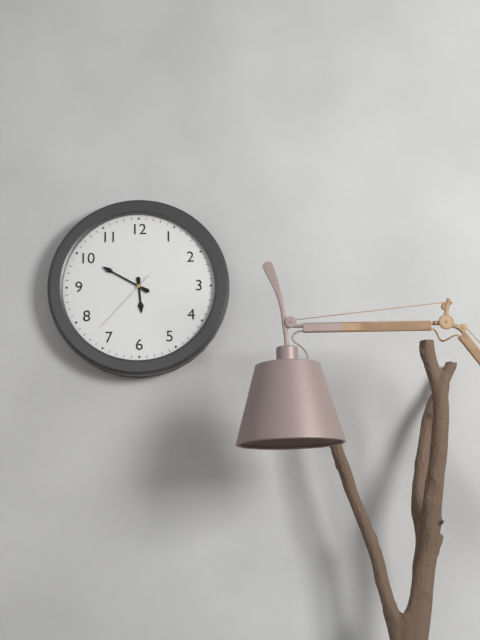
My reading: 5:50:37
